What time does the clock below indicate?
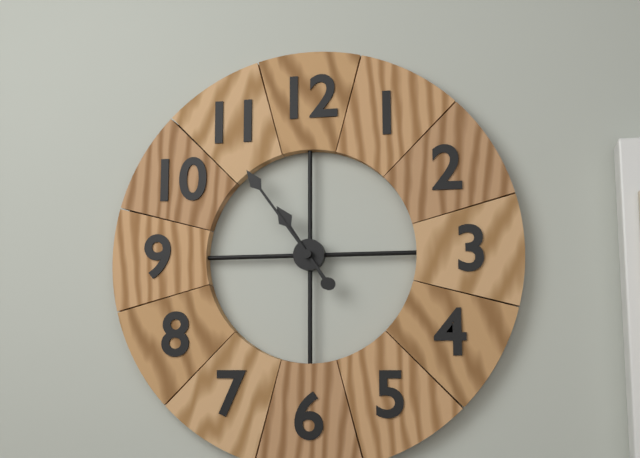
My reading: 10:54
